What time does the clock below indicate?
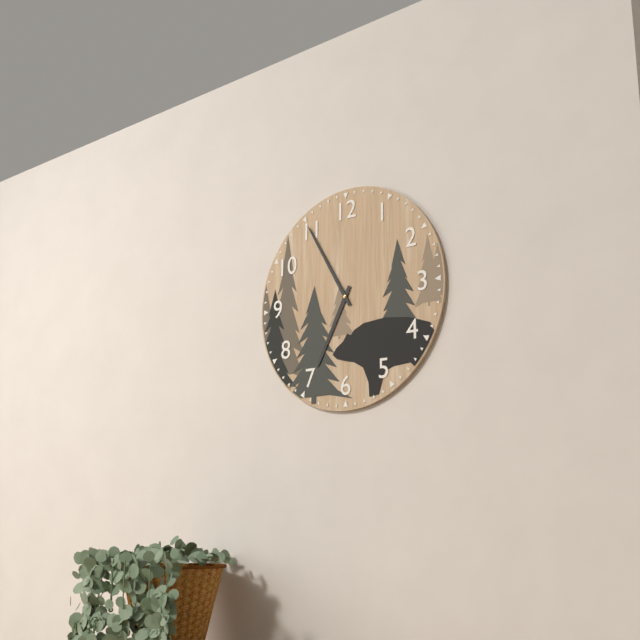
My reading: 6:55
